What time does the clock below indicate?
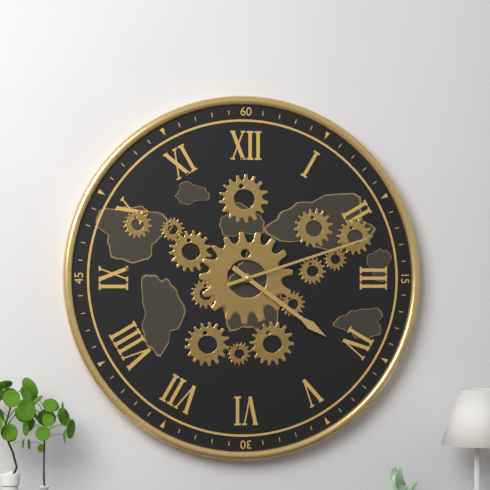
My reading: 4:12
